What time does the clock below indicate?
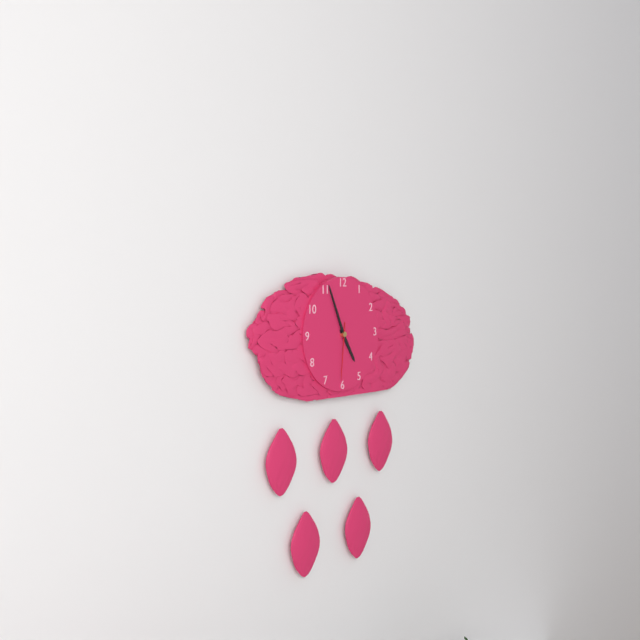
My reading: 4:56:31
